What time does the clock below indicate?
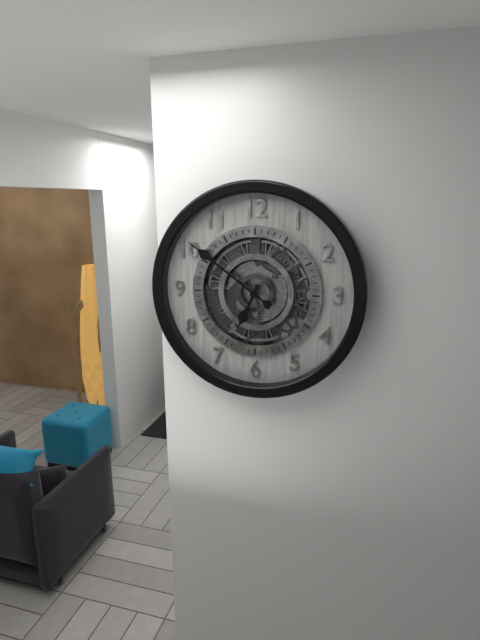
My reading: 6:51
